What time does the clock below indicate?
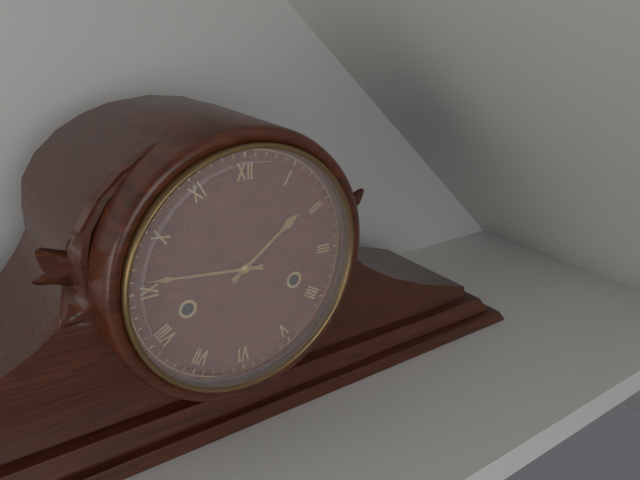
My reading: 1:46
